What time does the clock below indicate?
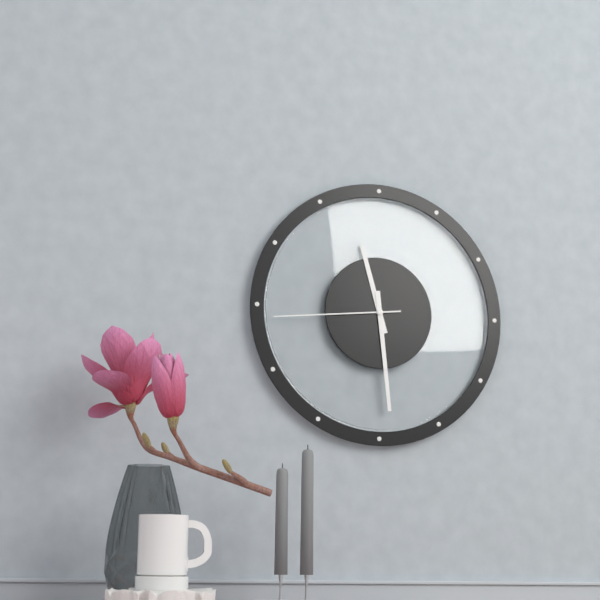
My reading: 11:29:44
